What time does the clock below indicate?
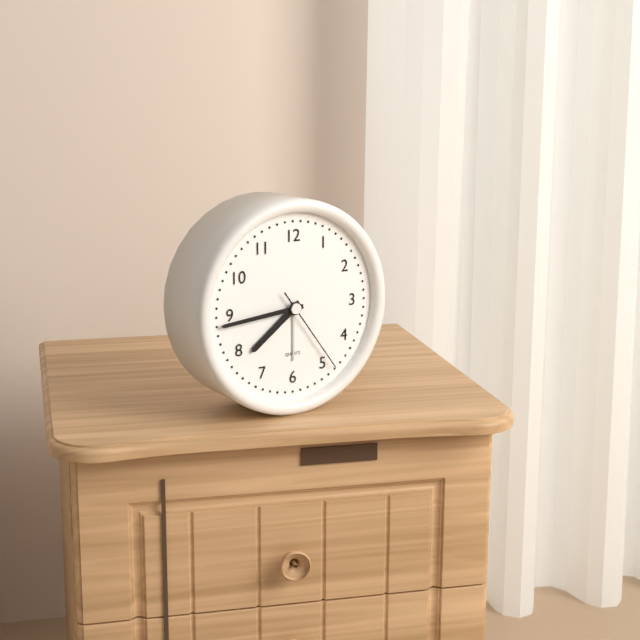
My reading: 7:44:24
